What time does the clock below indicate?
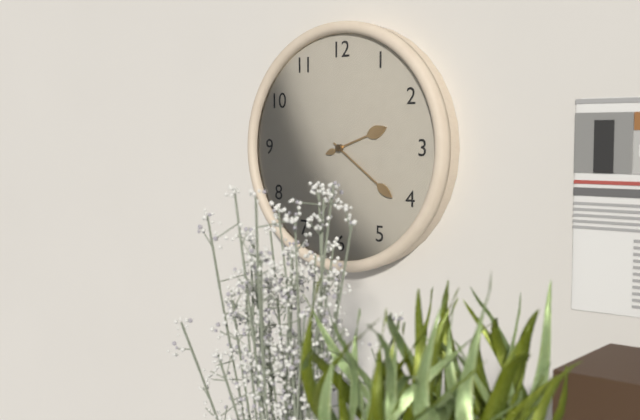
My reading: 2:21
